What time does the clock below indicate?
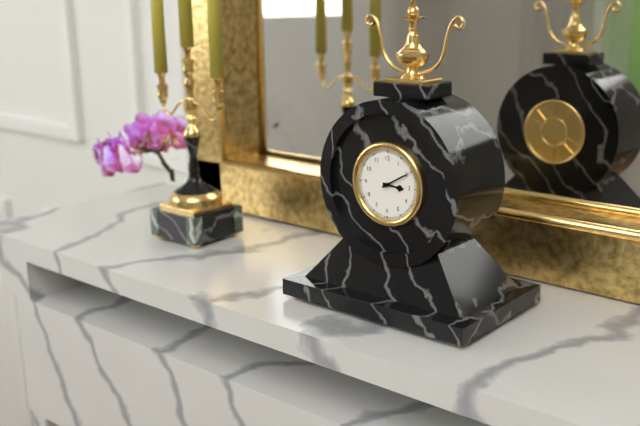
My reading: 3:10
